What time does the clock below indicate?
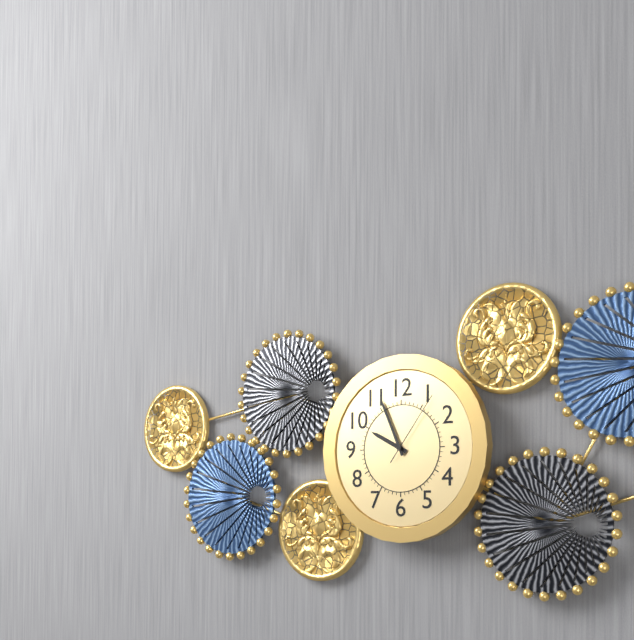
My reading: 9:56:06
